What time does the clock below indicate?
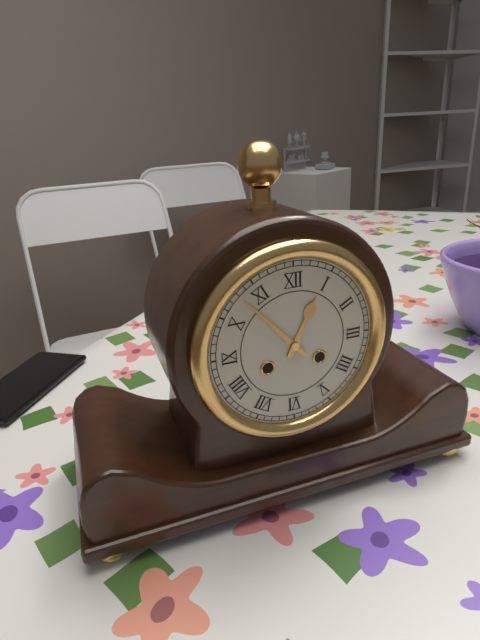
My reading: 12:53
